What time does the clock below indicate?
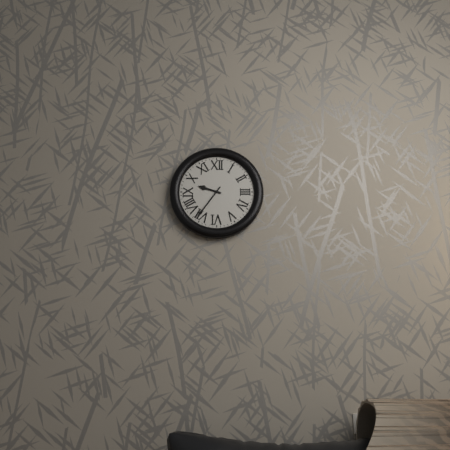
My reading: 9:36
